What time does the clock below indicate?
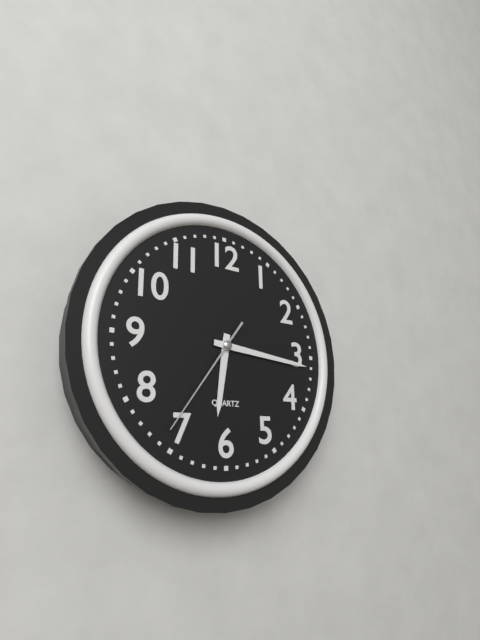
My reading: 6:16:36
